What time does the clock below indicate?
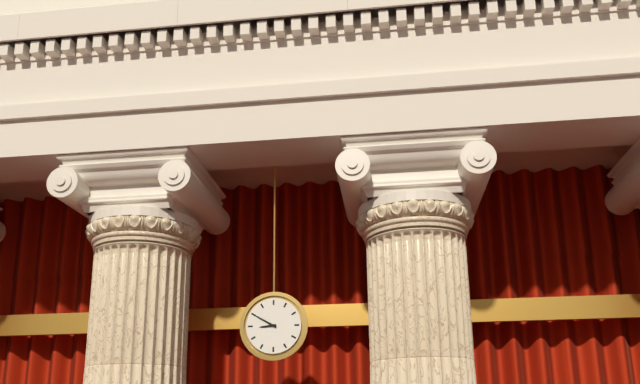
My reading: 8:50
